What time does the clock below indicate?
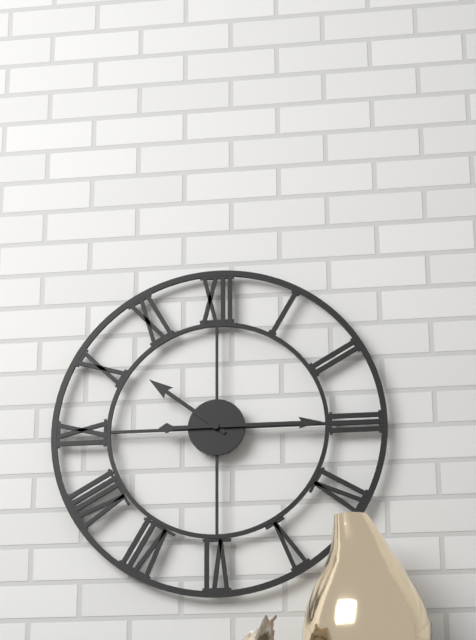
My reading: 10:15
